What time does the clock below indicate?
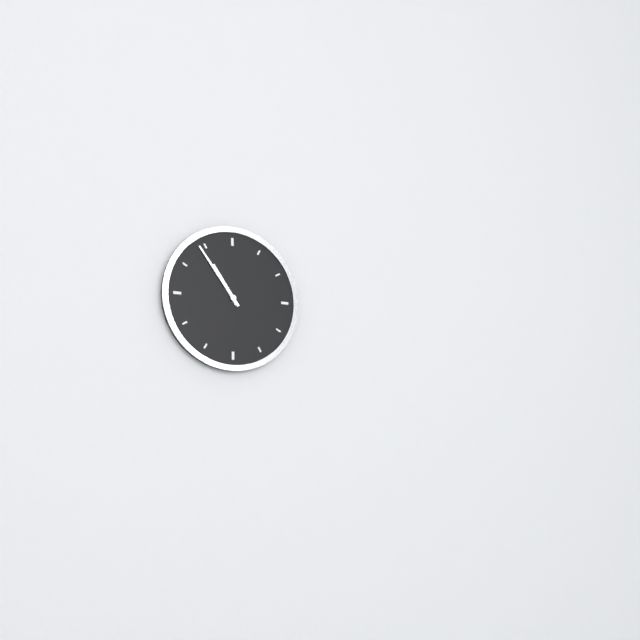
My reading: 10:54
